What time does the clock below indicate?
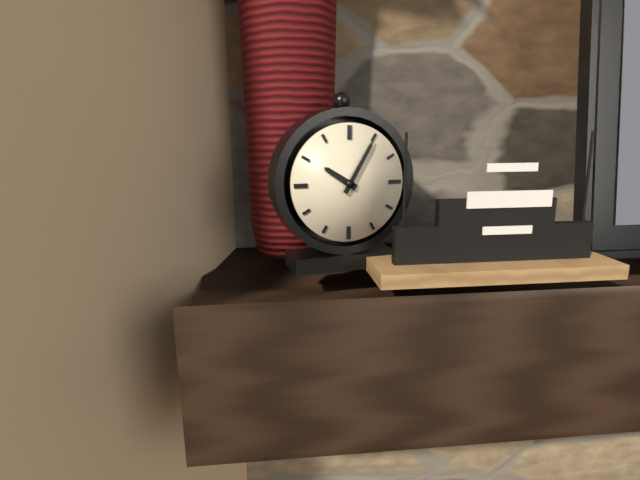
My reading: 10:05
